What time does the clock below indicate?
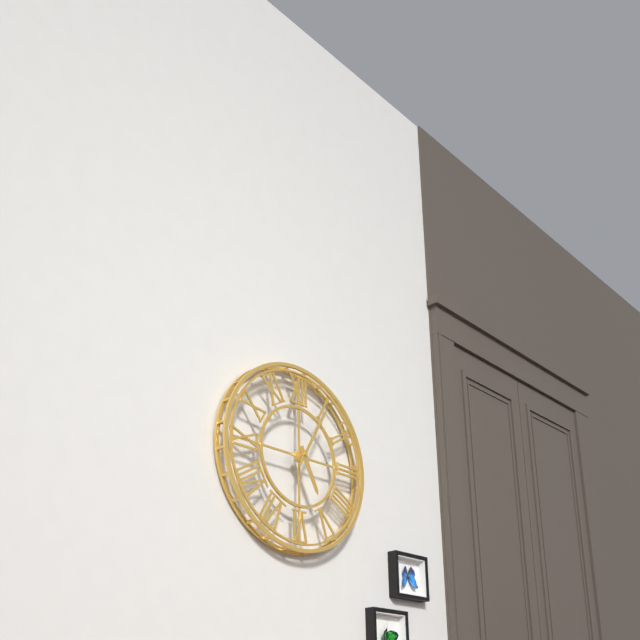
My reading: 5:05
